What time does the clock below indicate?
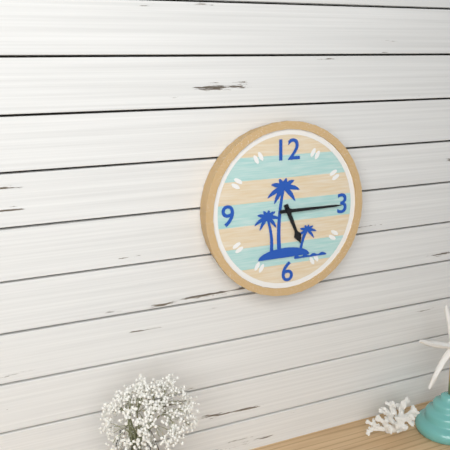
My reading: 5:15
